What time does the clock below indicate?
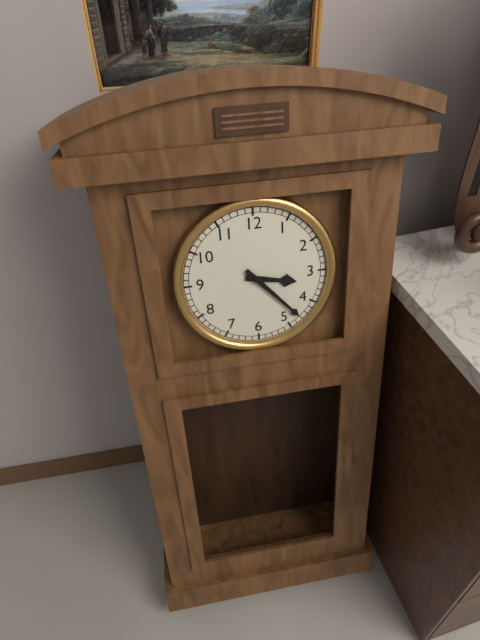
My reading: 3:23
